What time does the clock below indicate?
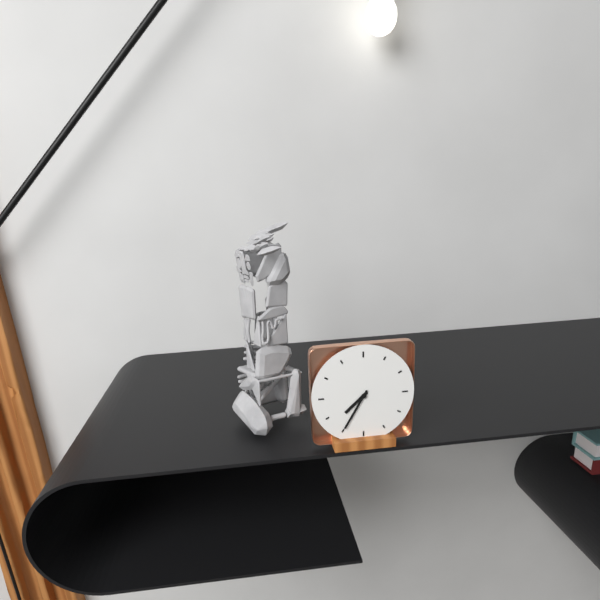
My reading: 7:35
